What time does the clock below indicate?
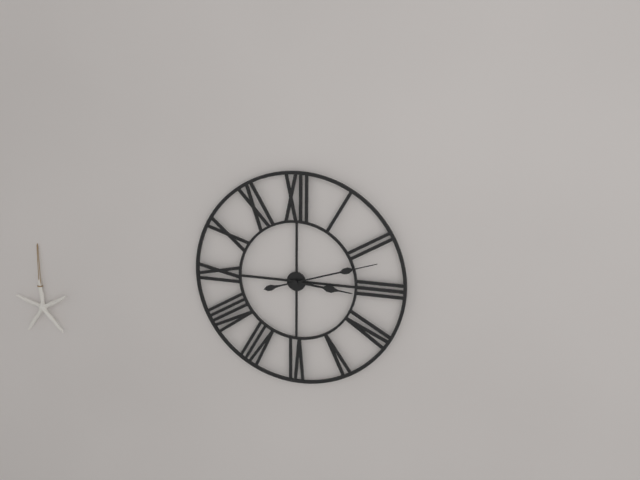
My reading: 3:12
